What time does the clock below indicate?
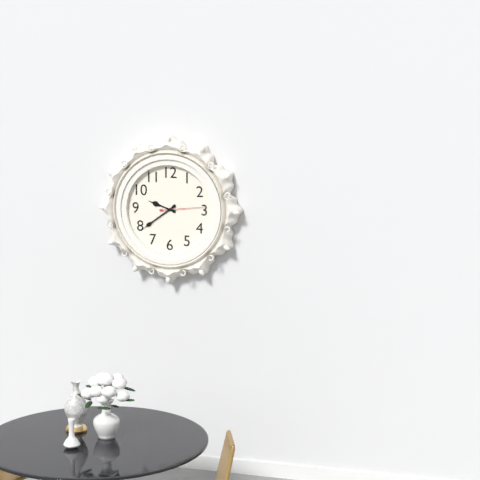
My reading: 9:39
